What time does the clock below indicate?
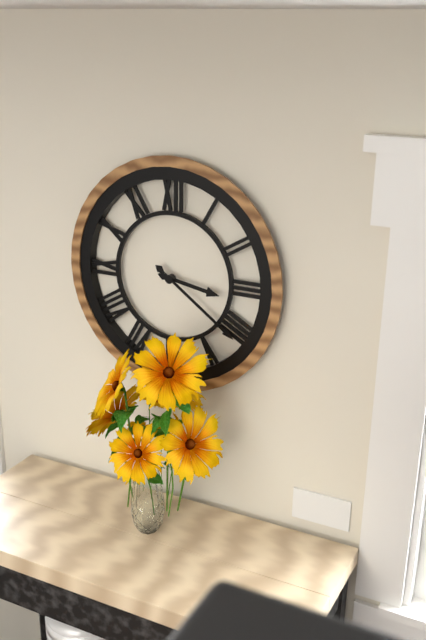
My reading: 3:21
